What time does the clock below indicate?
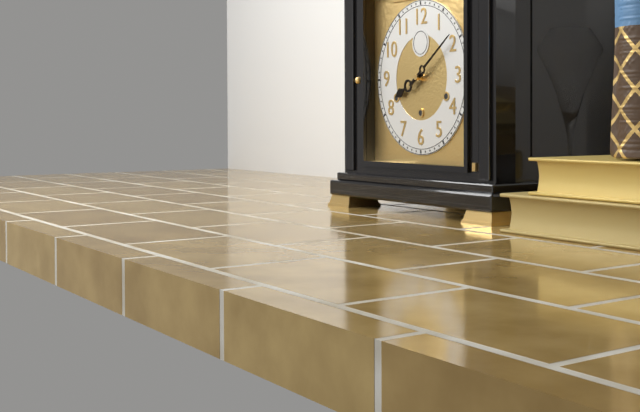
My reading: 8:09
